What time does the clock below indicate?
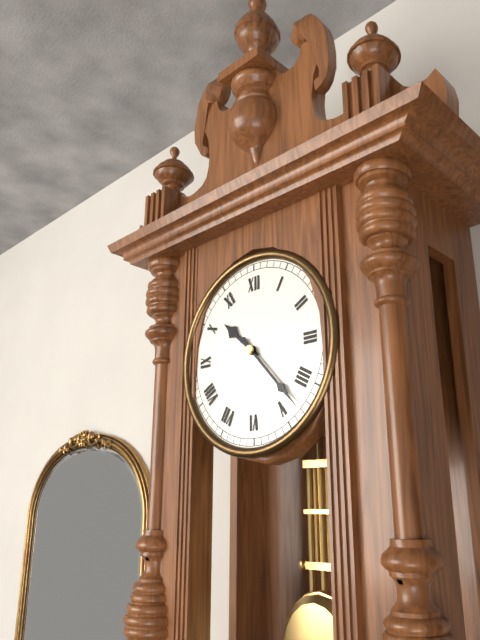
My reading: 10:23
